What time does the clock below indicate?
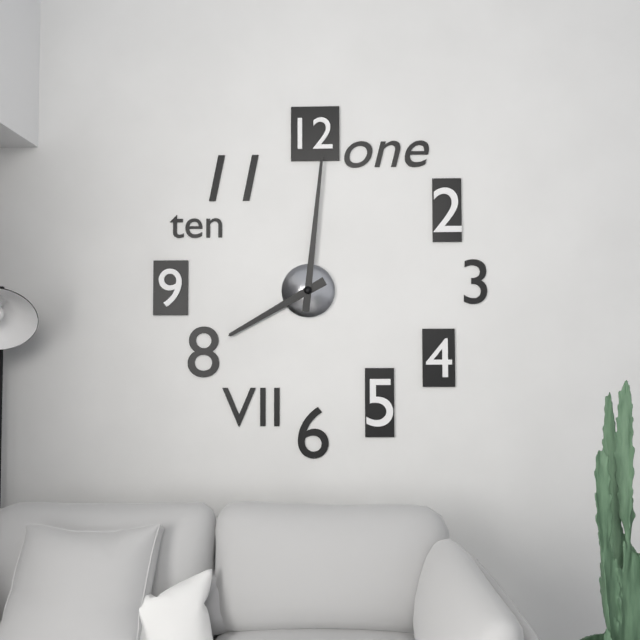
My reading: 8:01
